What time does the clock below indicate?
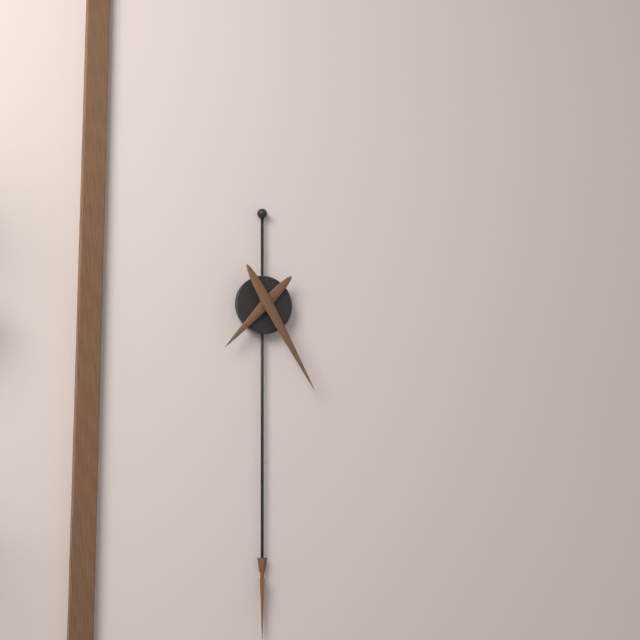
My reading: 7:25
